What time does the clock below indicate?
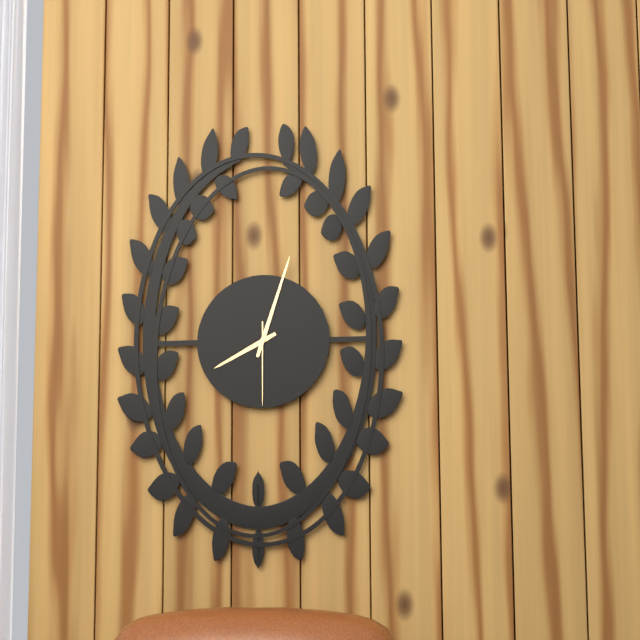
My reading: 8:03:30
